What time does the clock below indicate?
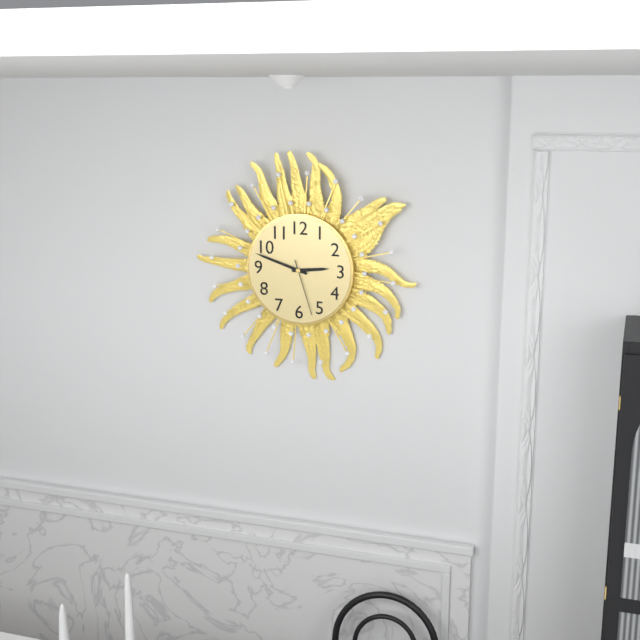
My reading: 2:48:27
